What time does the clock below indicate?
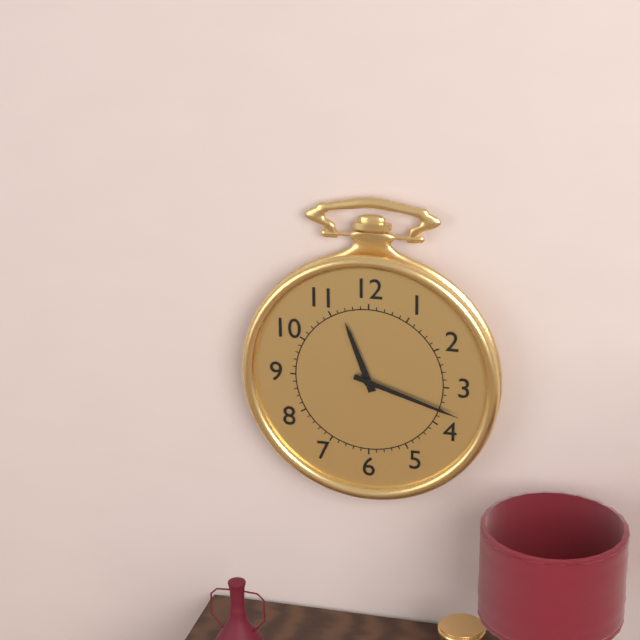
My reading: 11:18
